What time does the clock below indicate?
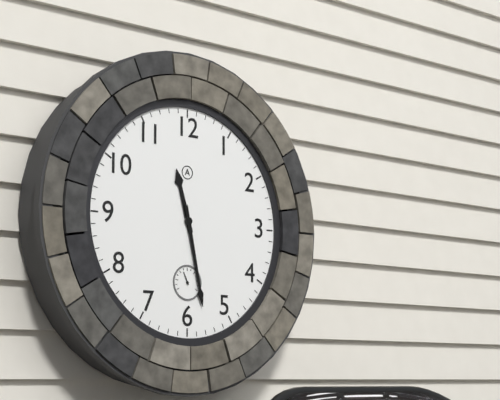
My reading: 11:28
